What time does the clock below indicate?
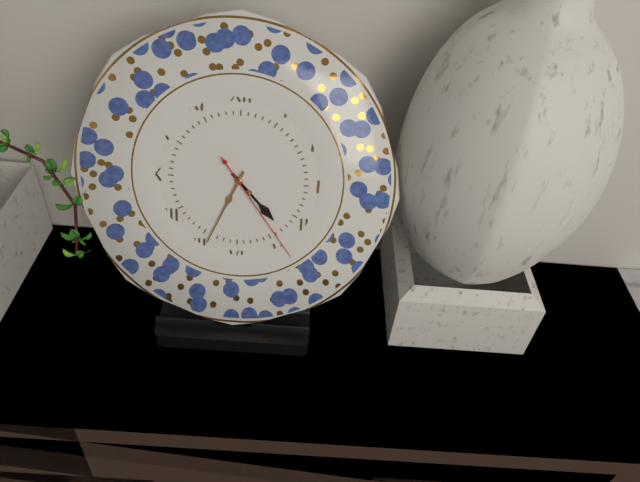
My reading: 4:34:24
